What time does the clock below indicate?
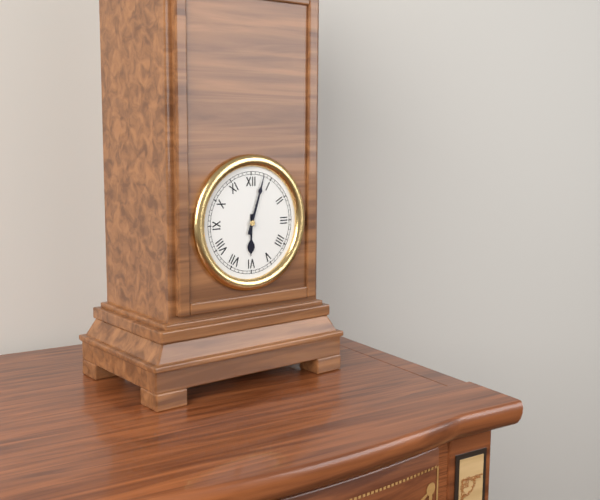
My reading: 6:03
